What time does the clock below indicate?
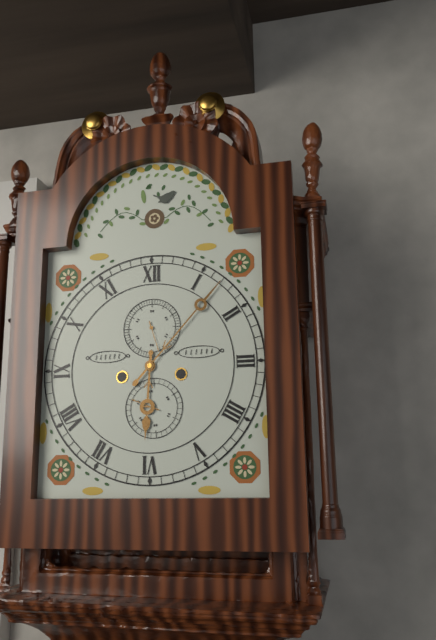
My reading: 6:07
